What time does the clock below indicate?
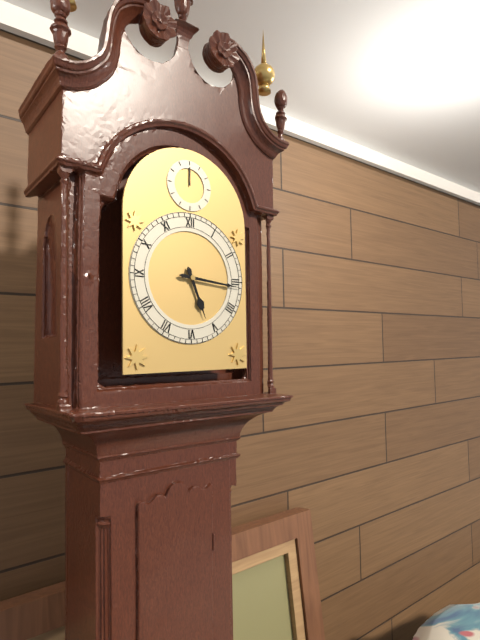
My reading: 5:16
